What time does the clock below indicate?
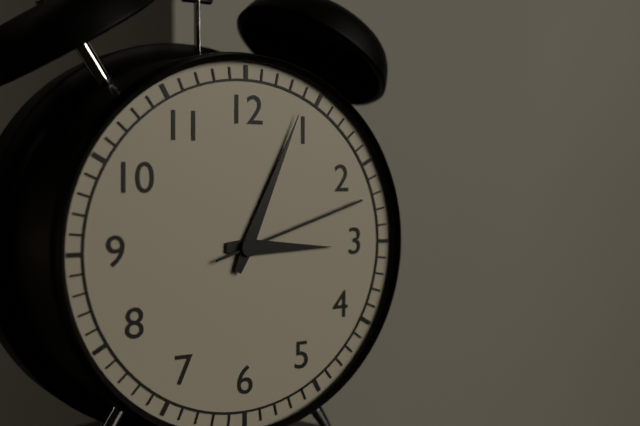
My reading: 3:04:12
